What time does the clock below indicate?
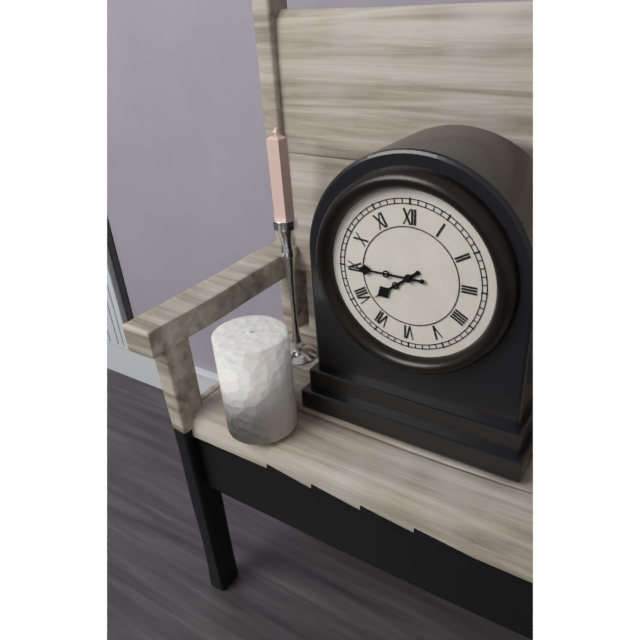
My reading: 7:45
